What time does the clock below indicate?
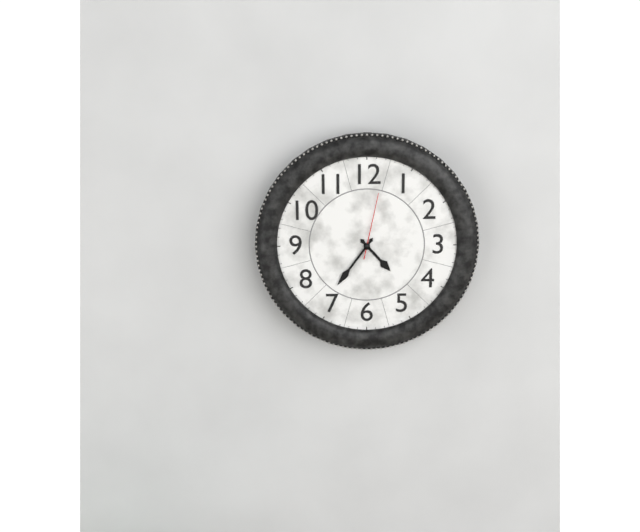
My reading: 4:36:02
